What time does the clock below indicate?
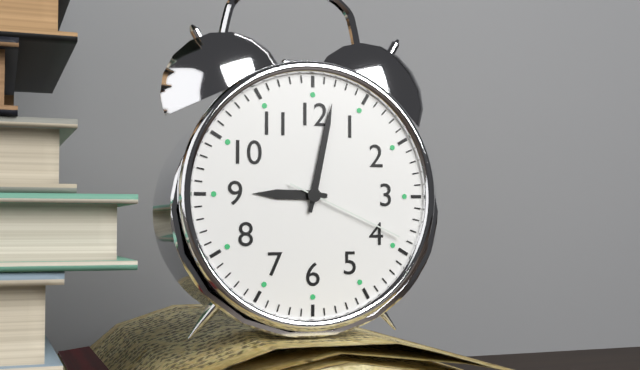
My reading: 9:02:19
